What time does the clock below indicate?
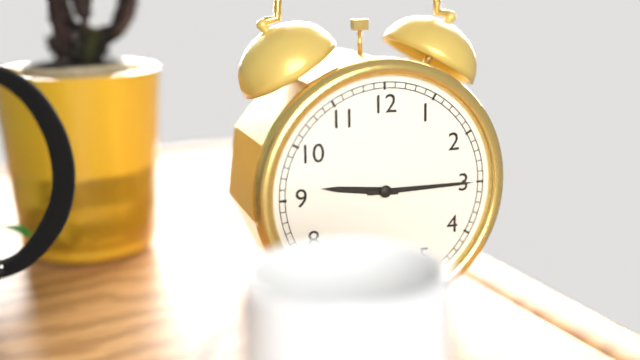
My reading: 9:15
